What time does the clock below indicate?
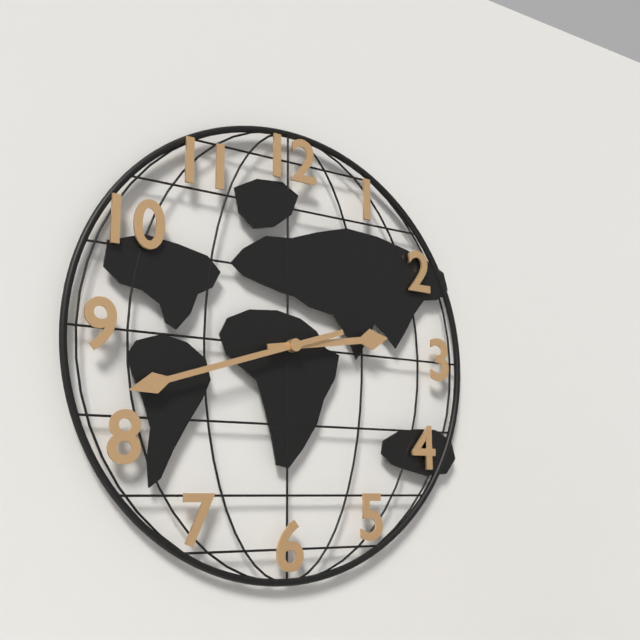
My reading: 2:42
